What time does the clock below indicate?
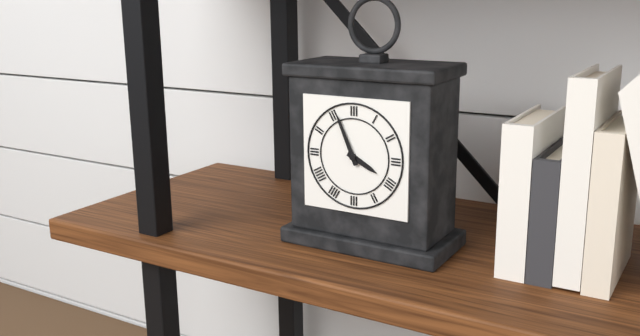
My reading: 3:56
